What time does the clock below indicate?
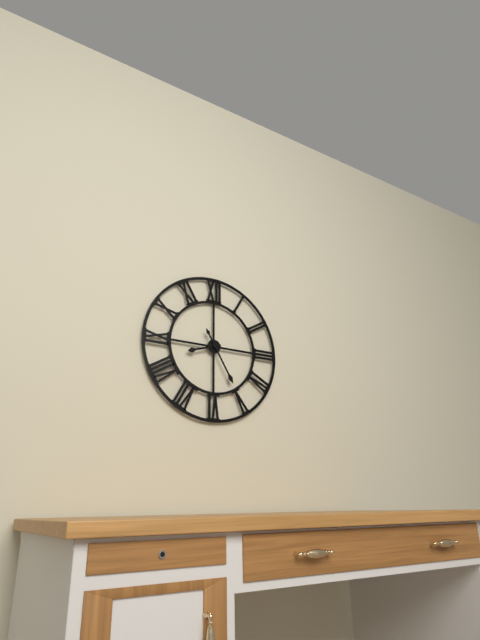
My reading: 8:25
